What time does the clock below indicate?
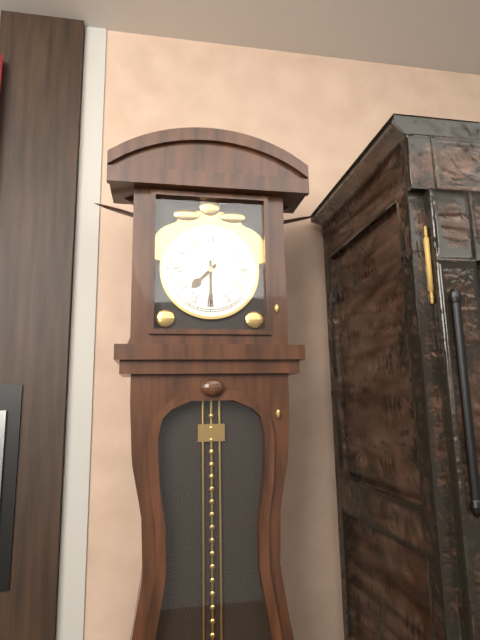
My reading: 7:30
